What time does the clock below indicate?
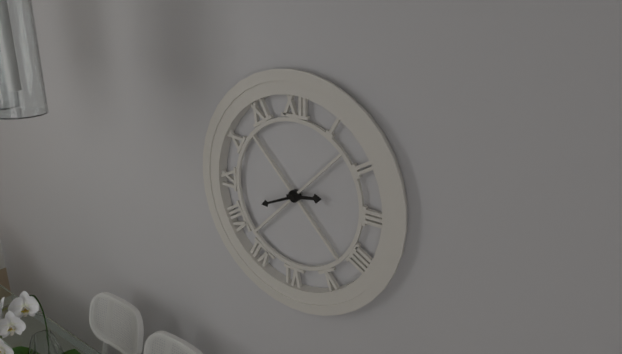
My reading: 2:41
